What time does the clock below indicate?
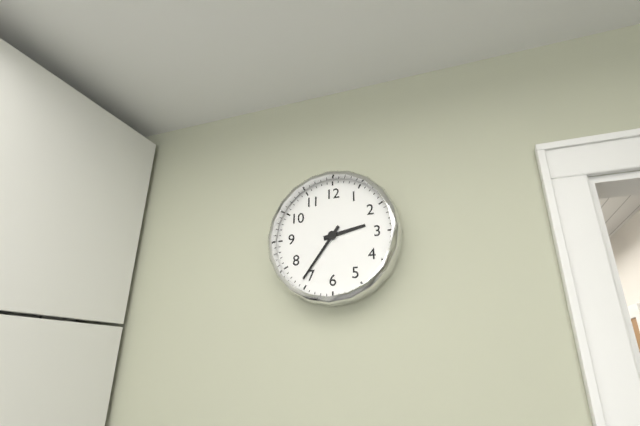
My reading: 2:36
